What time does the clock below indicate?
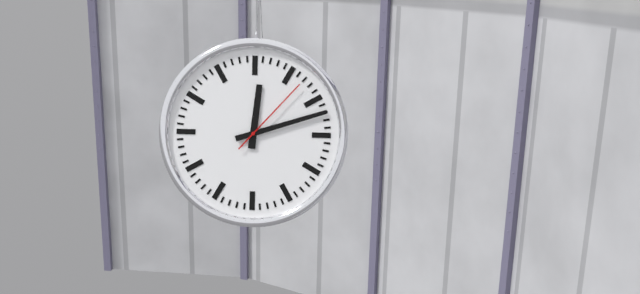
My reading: 12:12:07
